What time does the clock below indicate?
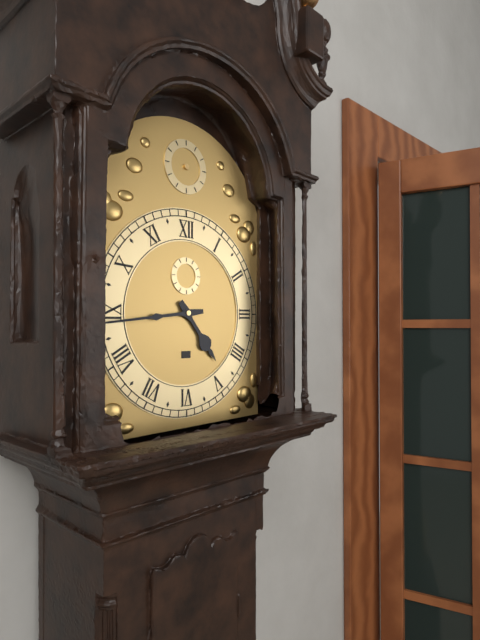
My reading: 4:44
